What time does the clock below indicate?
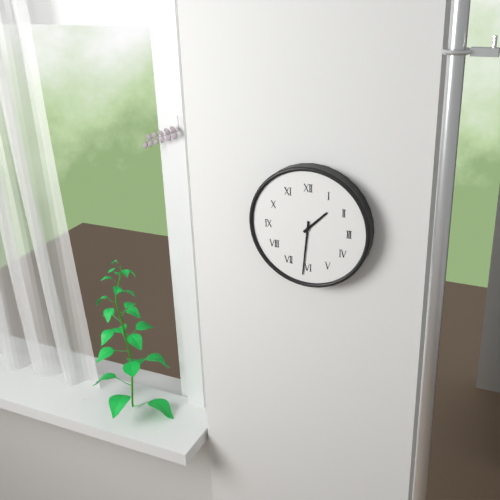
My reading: 1:31
